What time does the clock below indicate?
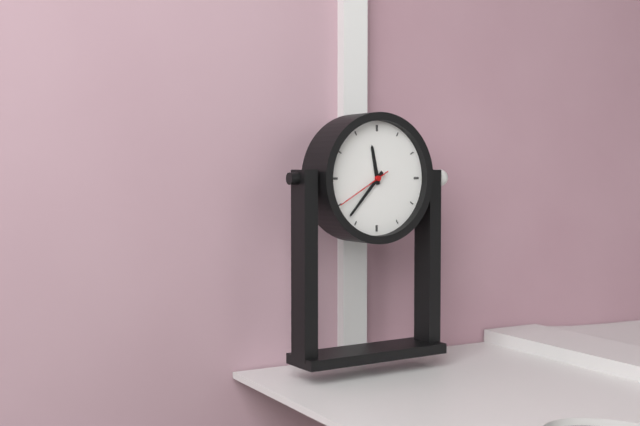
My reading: 11:37
